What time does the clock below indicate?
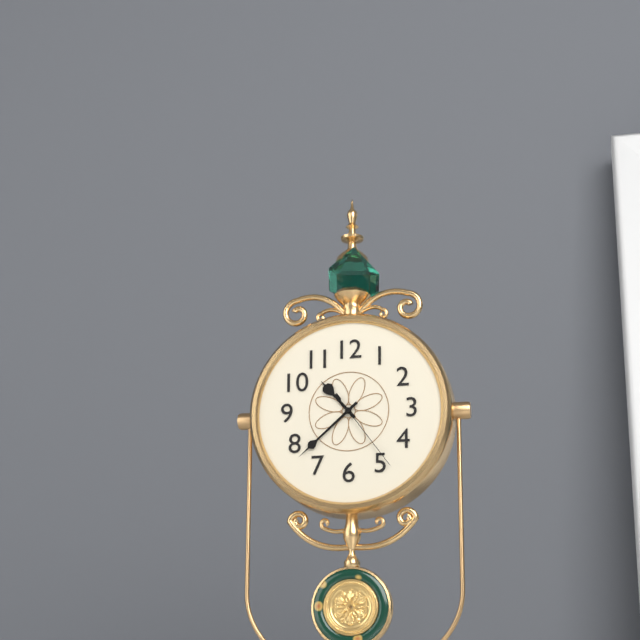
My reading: 10:38:24
